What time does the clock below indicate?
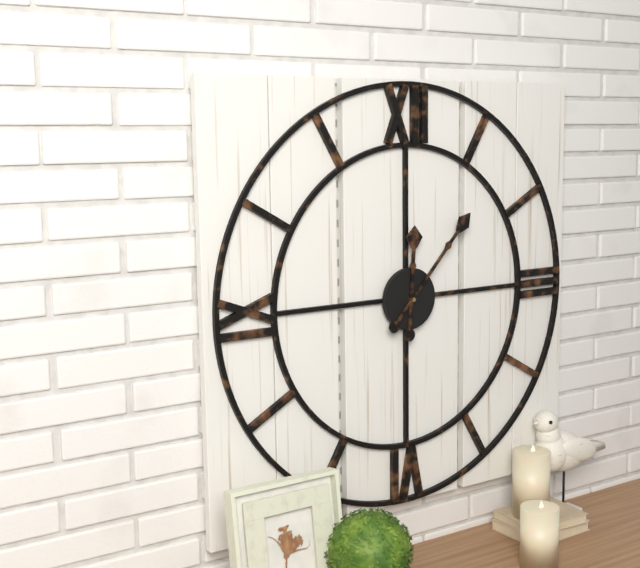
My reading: 12:07
